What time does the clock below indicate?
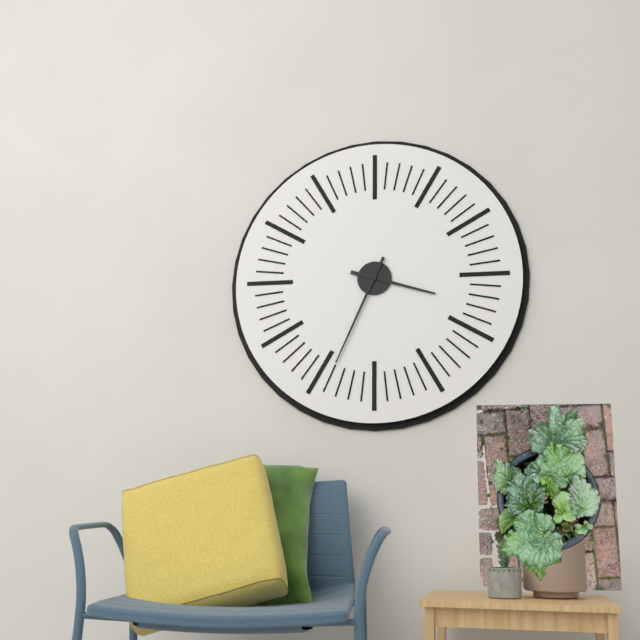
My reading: 3:34
